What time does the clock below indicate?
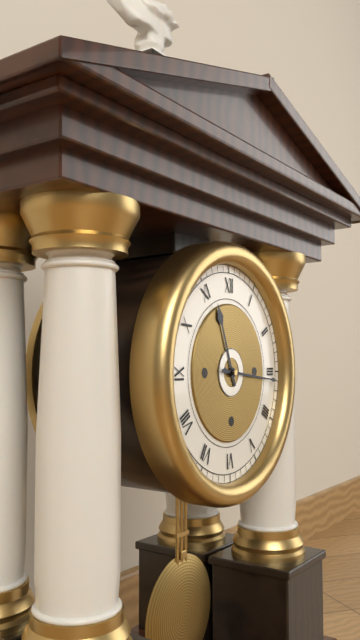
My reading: 11:16
